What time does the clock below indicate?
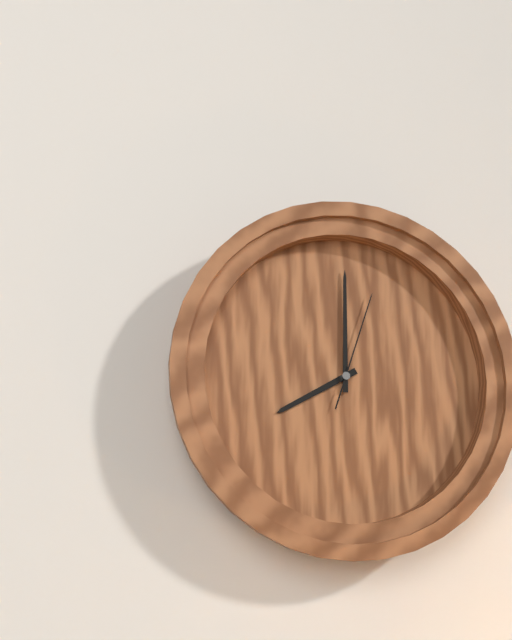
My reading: 8:00:03
